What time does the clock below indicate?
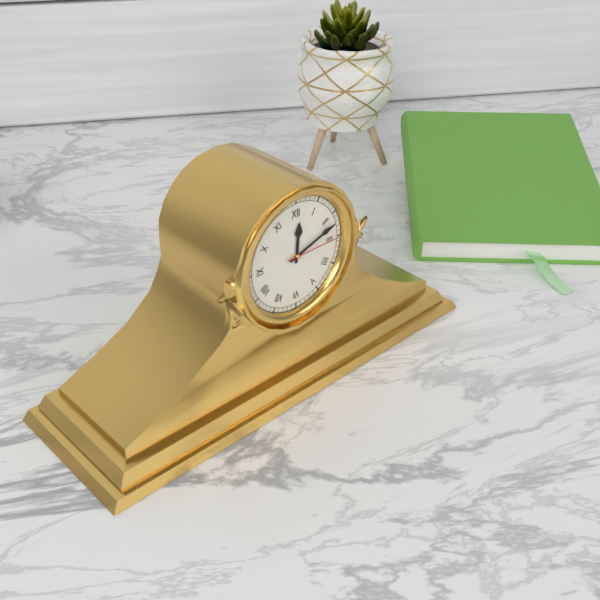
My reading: 12:12:15
